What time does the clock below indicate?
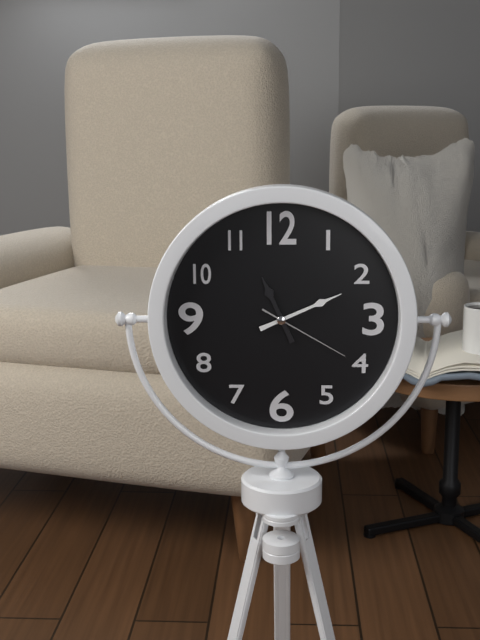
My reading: 11:11:20
